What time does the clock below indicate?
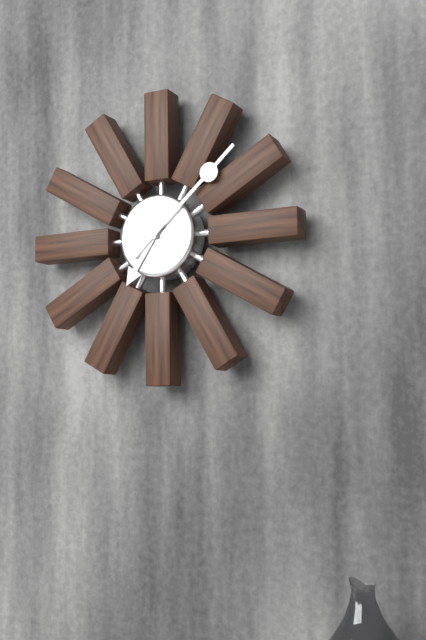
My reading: 7:08
